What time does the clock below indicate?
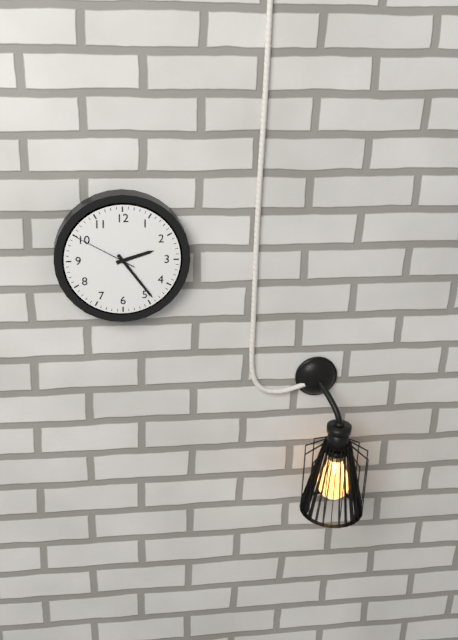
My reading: 2:24:50
